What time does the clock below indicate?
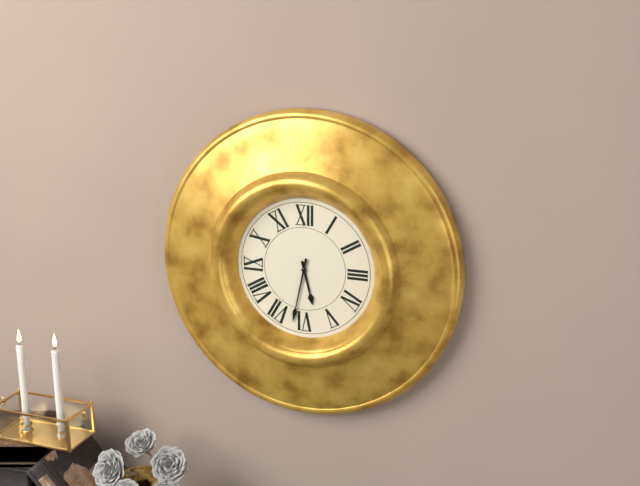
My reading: 5:32
